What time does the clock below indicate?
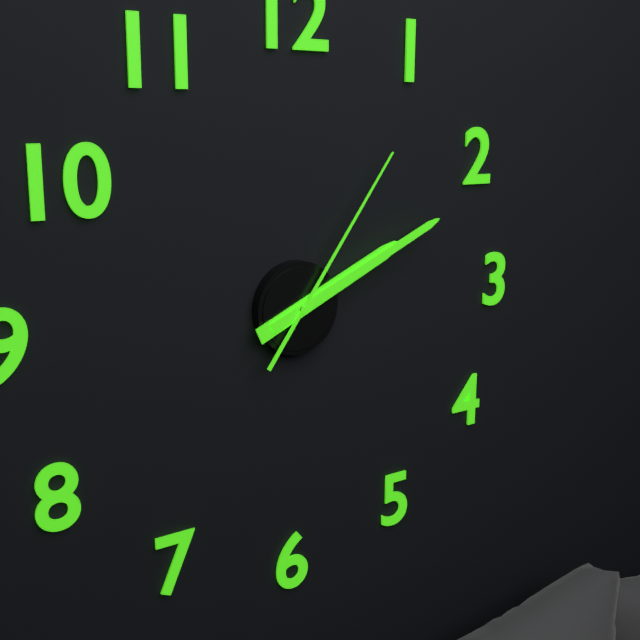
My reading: 2:11:06
